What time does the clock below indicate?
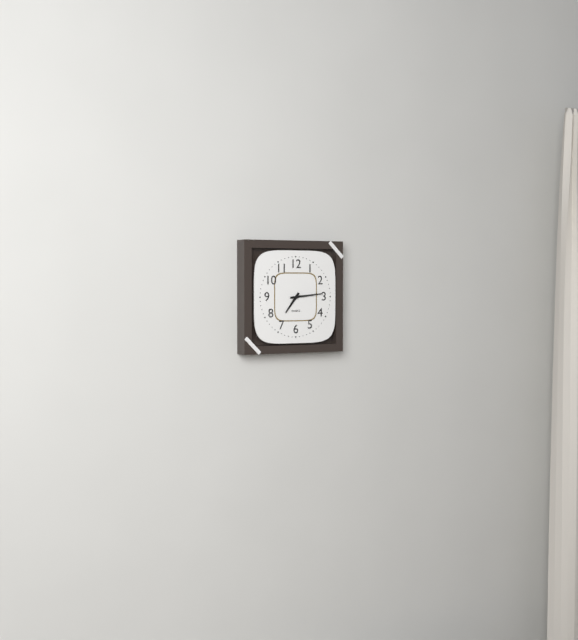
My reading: 7:14
